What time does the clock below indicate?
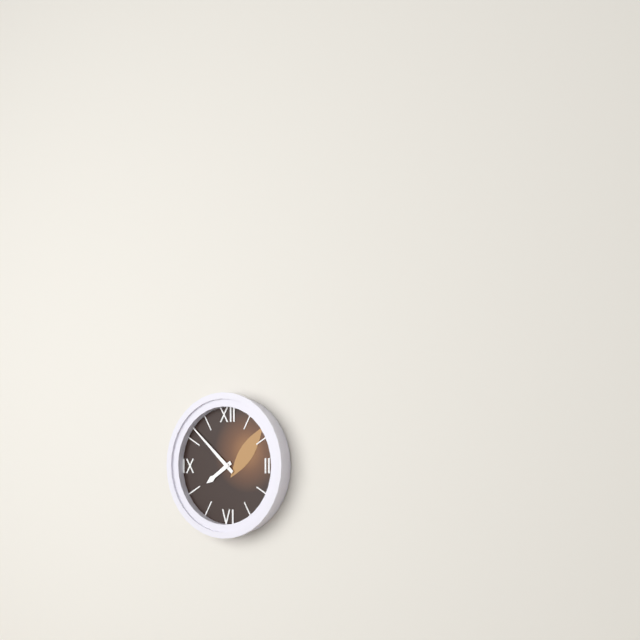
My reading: 7:52
